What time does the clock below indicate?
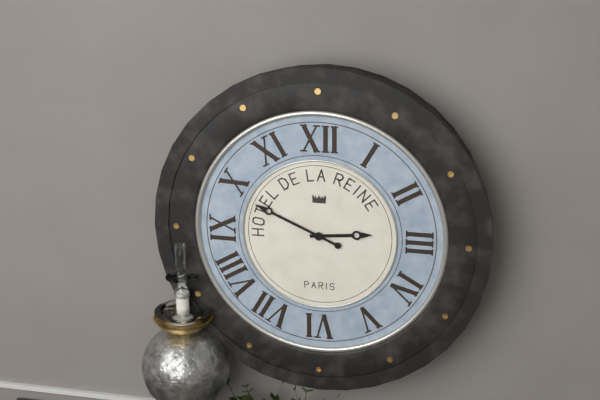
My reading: 2:49
